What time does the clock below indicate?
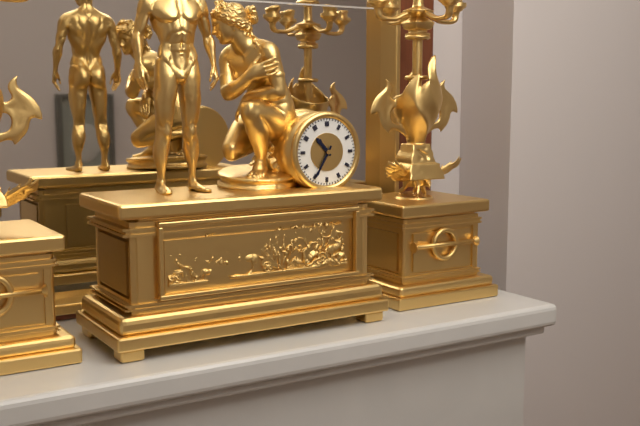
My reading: 10:35
